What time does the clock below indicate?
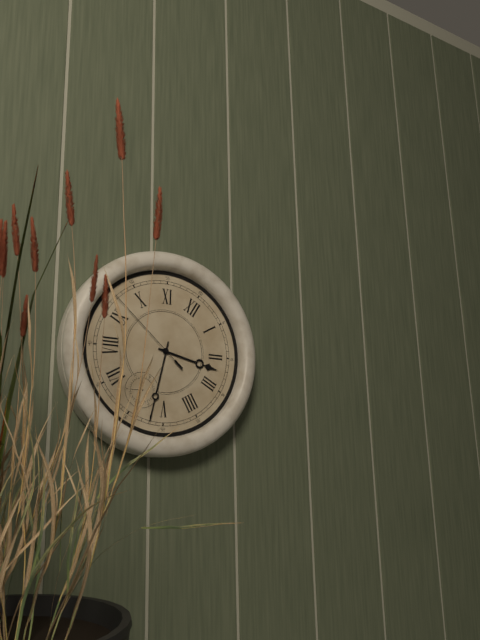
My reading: 2:27:47
